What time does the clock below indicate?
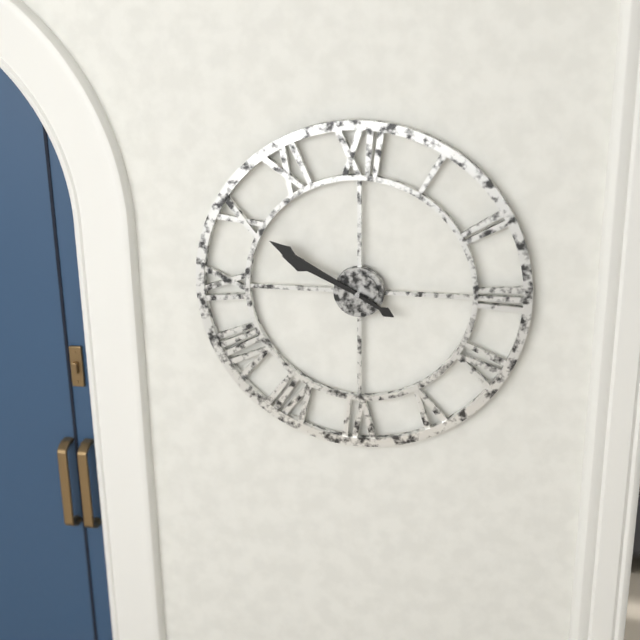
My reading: 9:50
